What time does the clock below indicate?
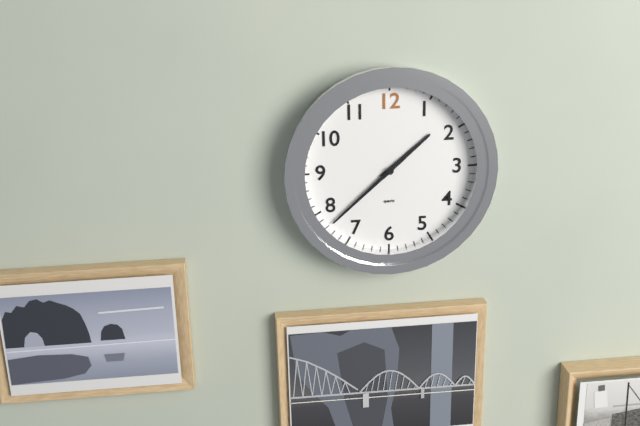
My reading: 1:38
